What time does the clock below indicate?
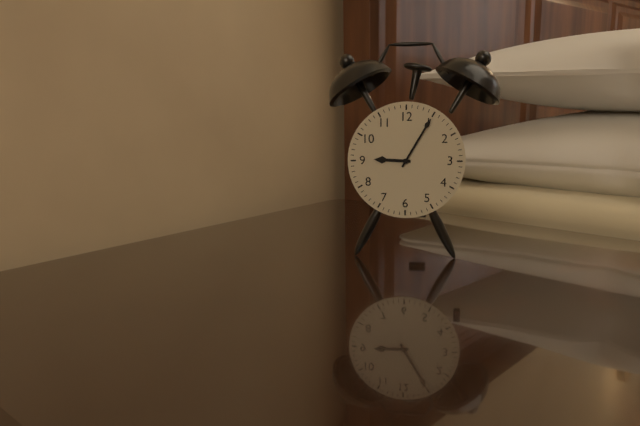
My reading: 9:05
